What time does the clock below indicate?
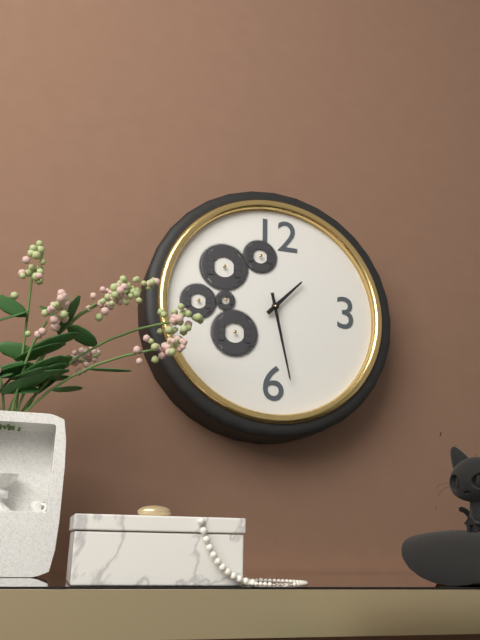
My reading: 1:28
